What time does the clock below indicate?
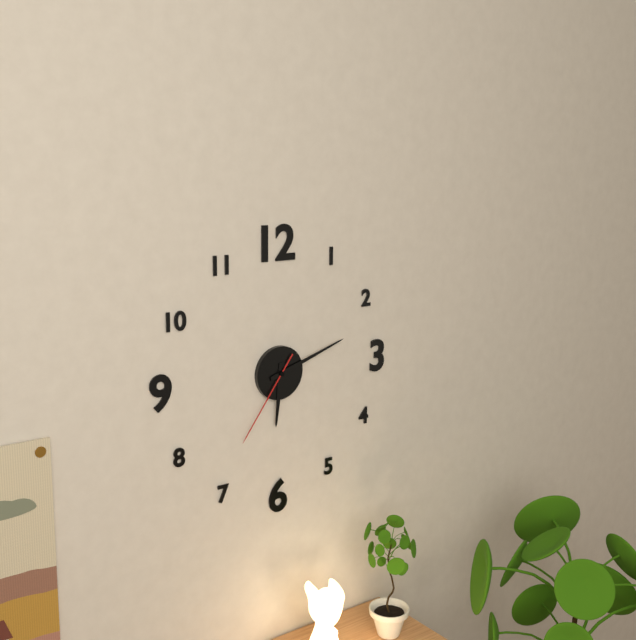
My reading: 6:12:36
